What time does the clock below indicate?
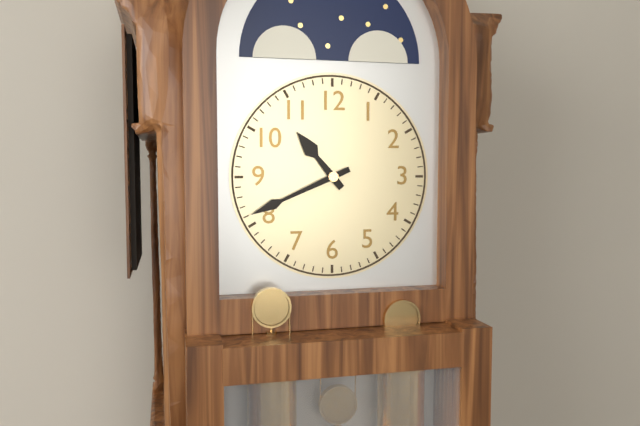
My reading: 10:41
